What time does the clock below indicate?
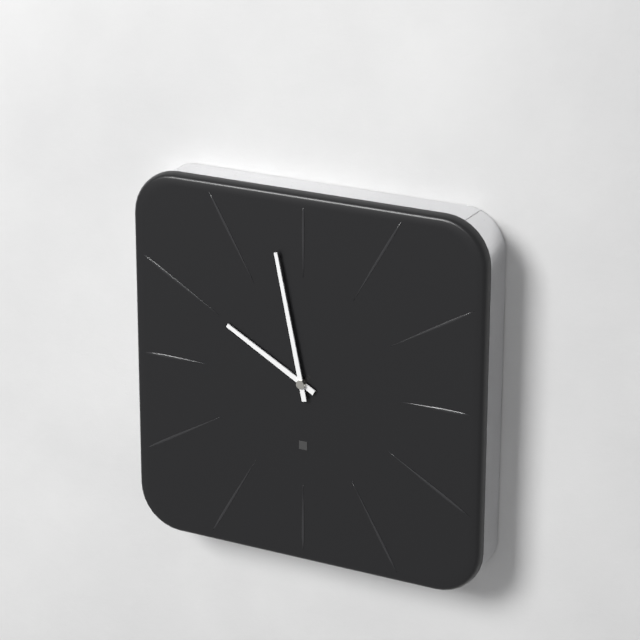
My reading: 9:58
